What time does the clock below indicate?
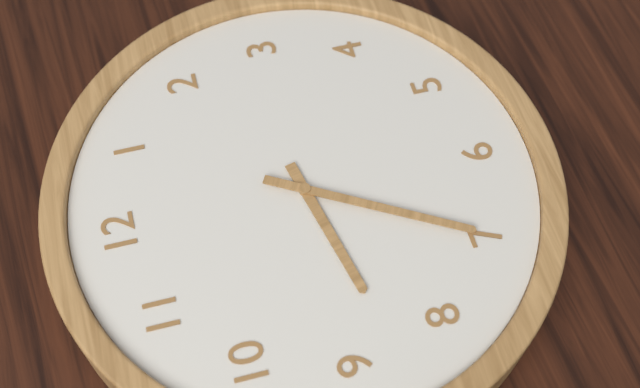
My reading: 8:35
